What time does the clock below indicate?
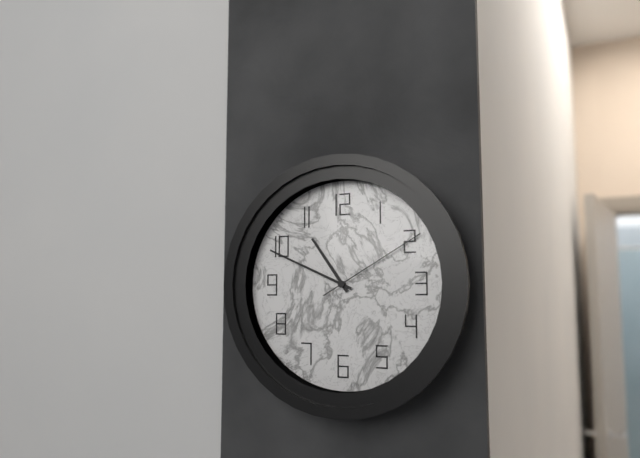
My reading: 10:49:10
